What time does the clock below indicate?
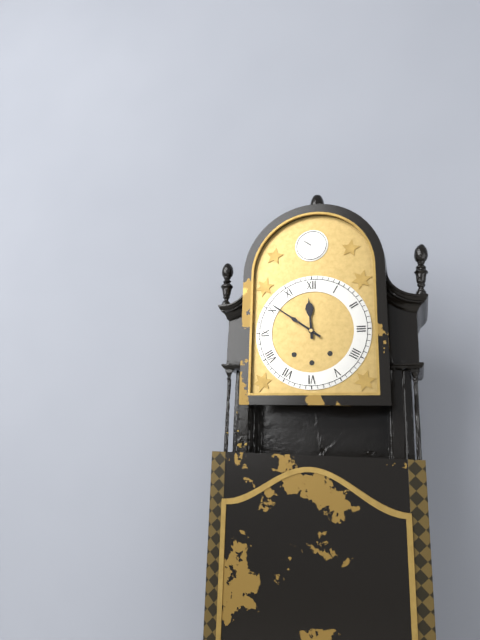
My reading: 11:51
